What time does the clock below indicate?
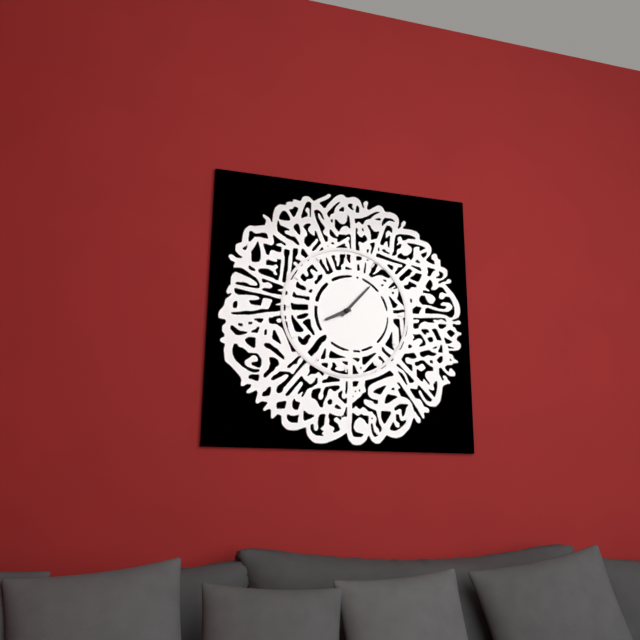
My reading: 8:07
